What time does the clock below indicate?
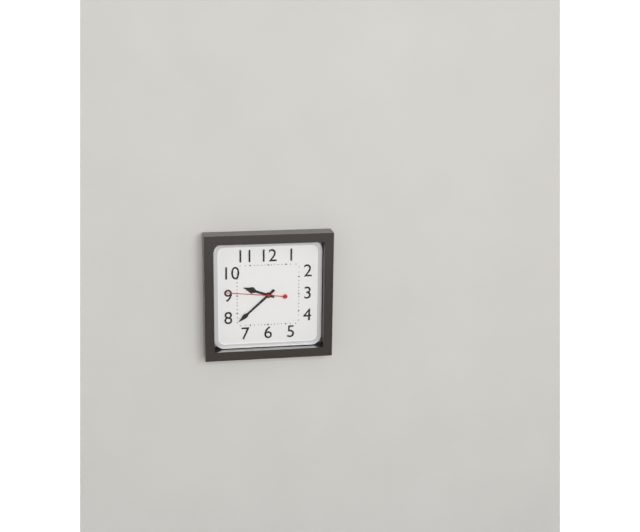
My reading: 9:38:46
